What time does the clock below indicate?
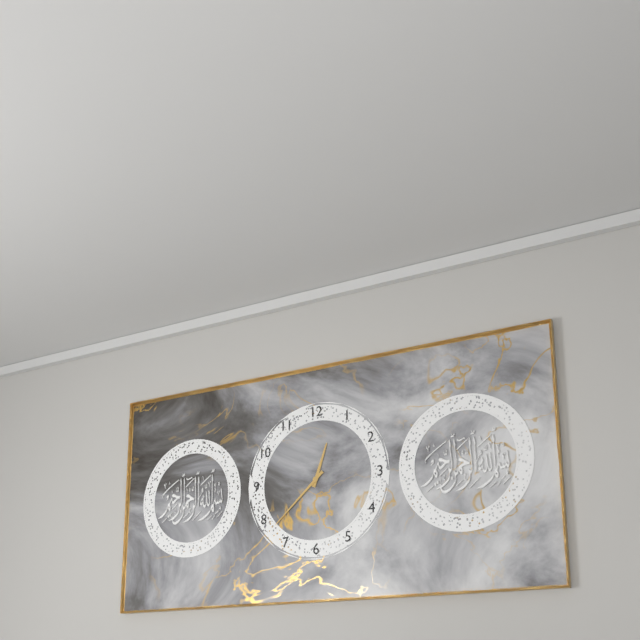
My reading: 12:38
